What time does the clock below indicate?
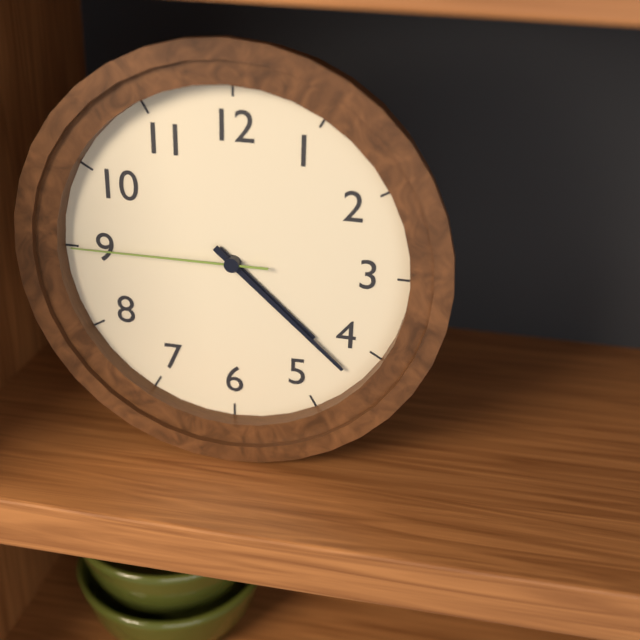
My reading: 4:22:45
